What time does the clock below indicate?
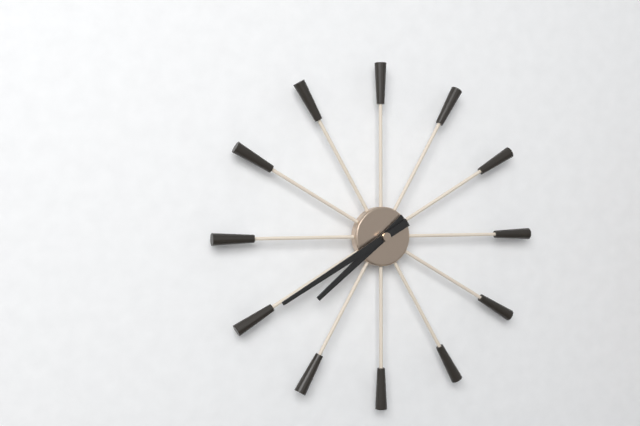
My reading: 7:40
